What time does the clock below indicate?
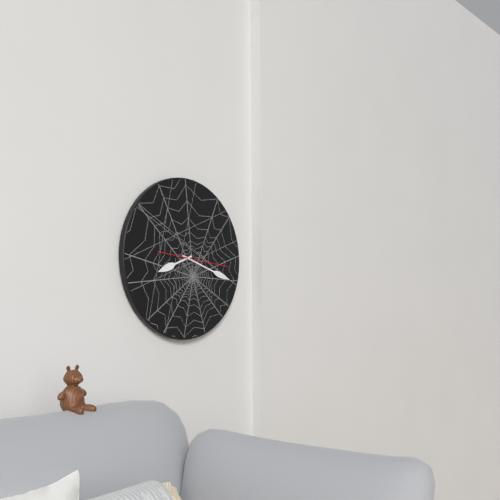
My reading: 8:18:16
